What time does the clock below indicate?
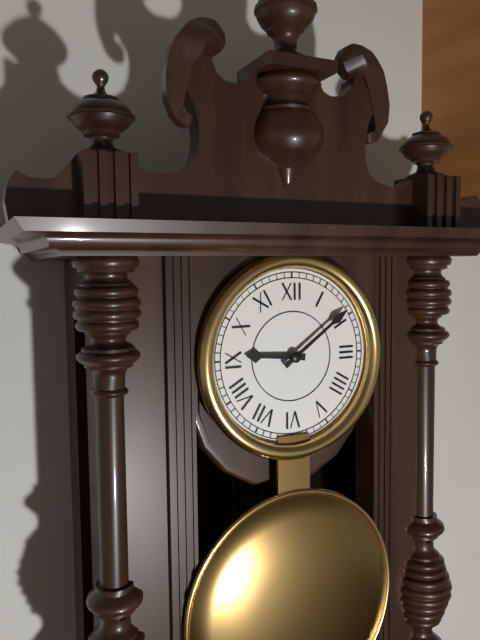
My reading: 9:09
